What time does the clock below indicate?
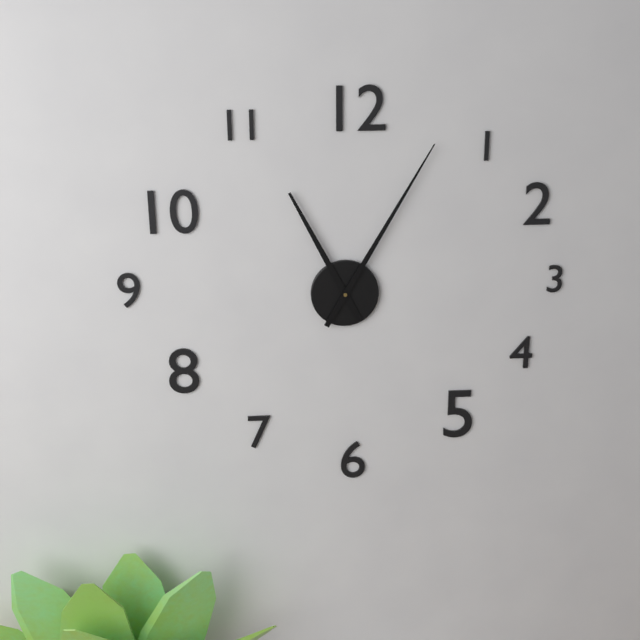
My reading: 11:05
